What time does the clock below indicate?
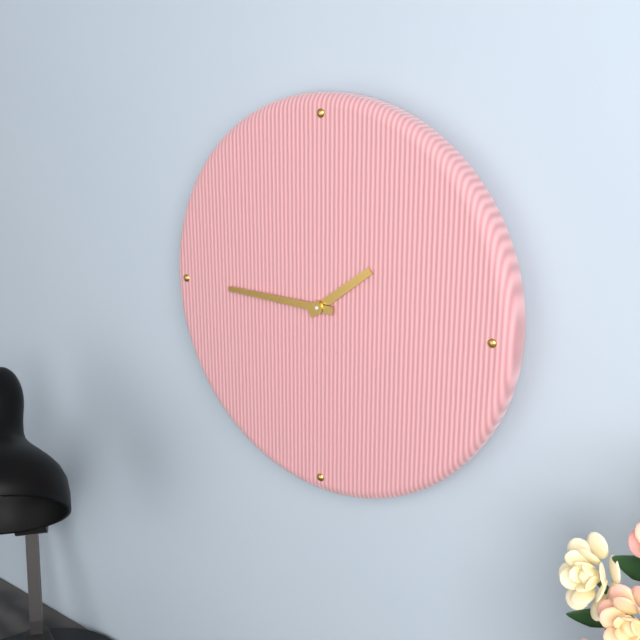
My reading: 1:45
